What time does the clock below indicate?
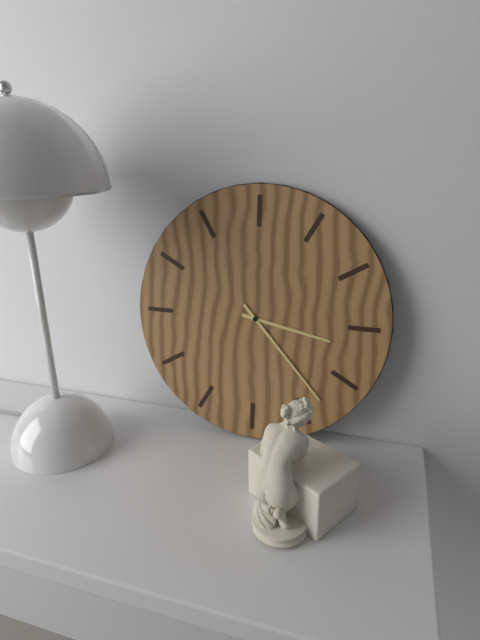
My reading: 3:23
